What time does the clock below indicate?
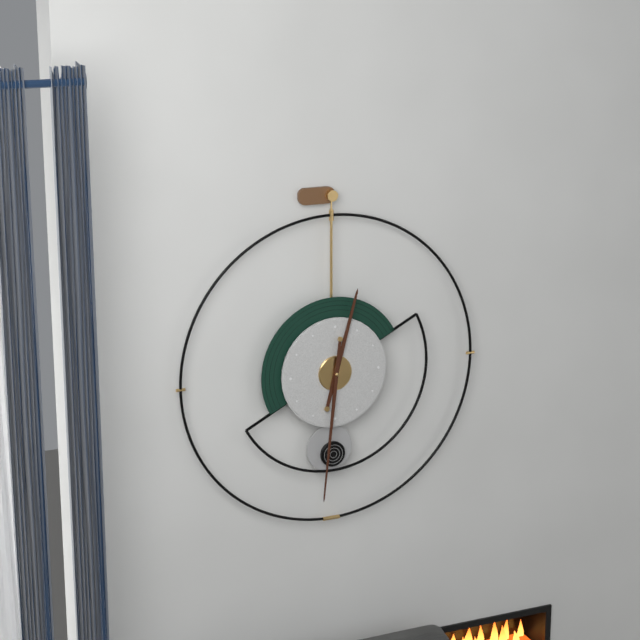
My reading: 12:31
